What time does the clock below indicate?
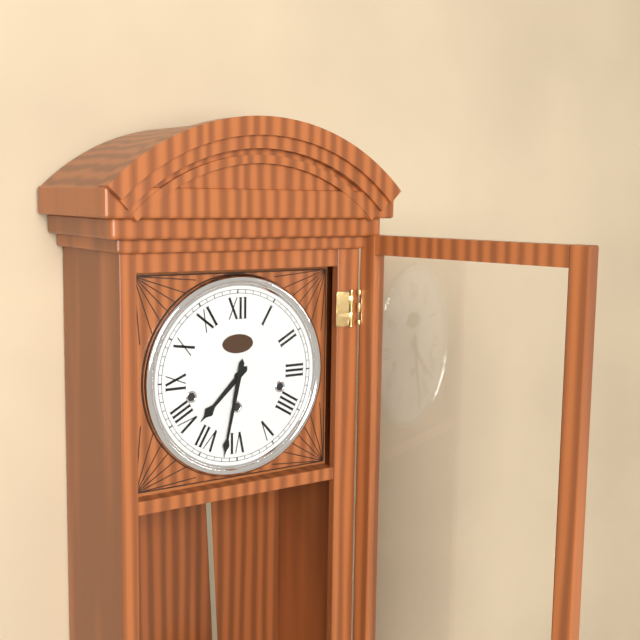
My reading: 7:32
